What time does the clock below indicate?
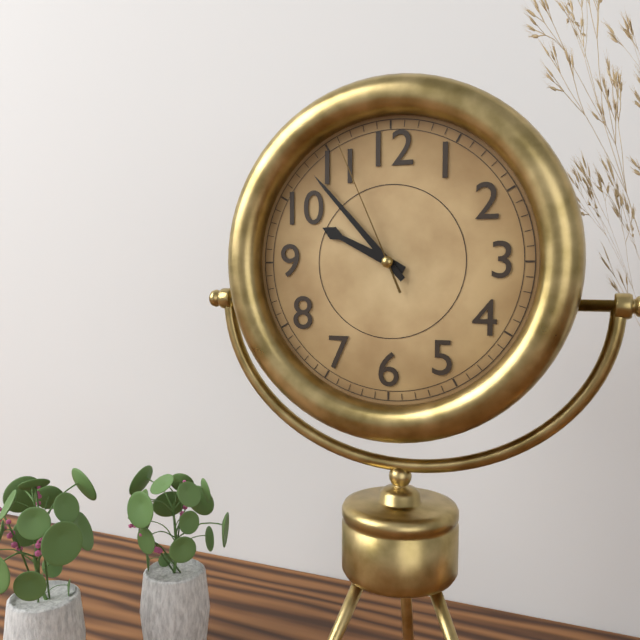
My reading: 9:53:56
